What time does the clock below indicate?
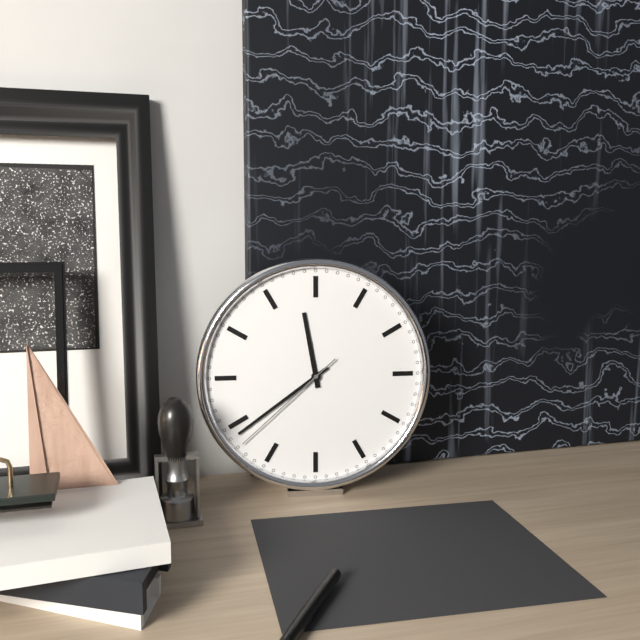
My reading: 11:39:38
